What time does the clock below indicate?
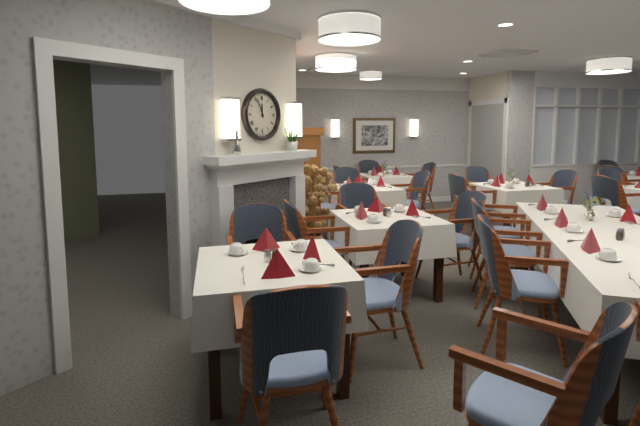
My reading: 11:56
